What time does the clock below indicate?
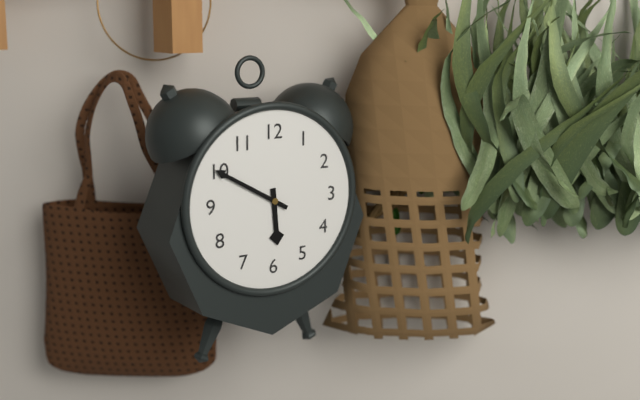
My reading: 5:50
